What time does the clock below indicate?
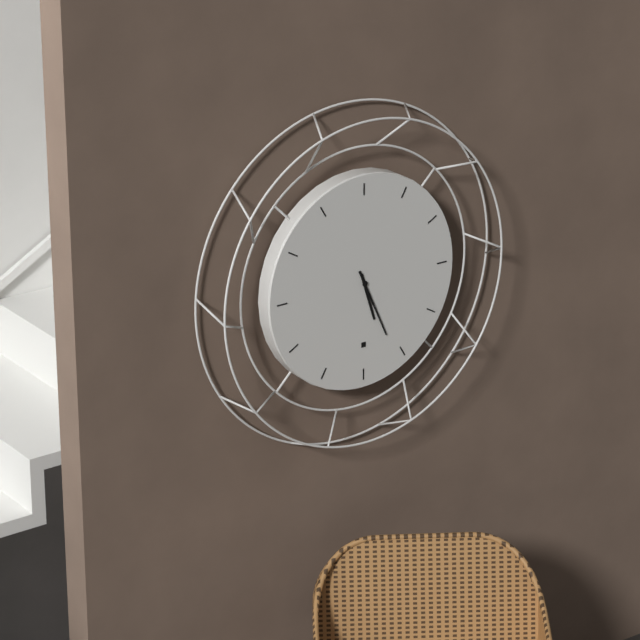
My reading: 5:26
